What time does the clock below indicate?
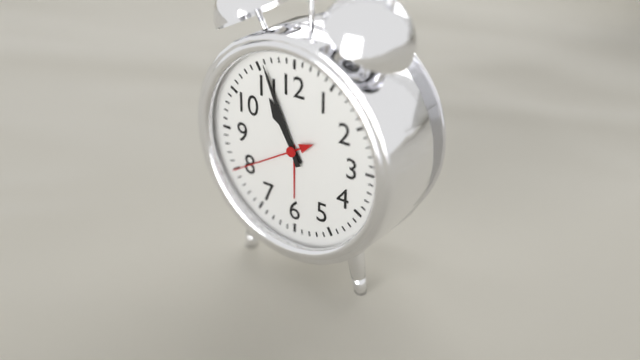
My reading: 10:56:40
